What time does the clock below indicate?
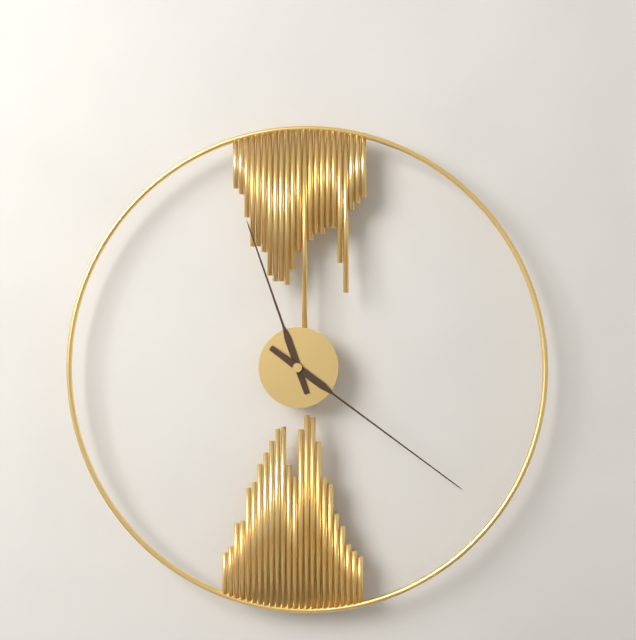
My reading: 11:21
